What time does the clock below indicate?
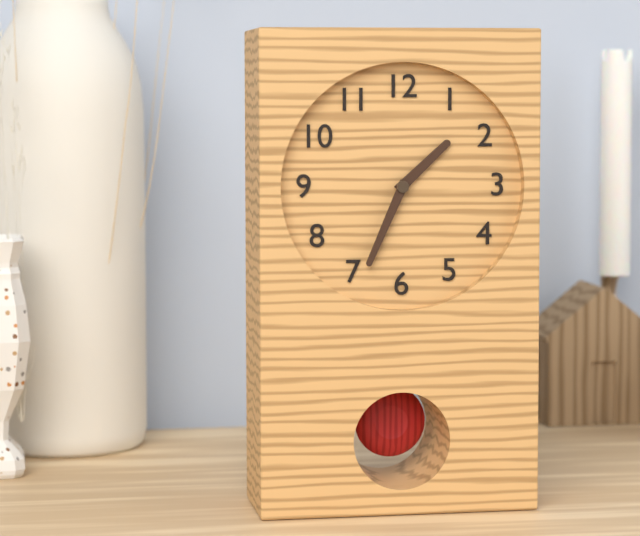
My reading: 1:34
